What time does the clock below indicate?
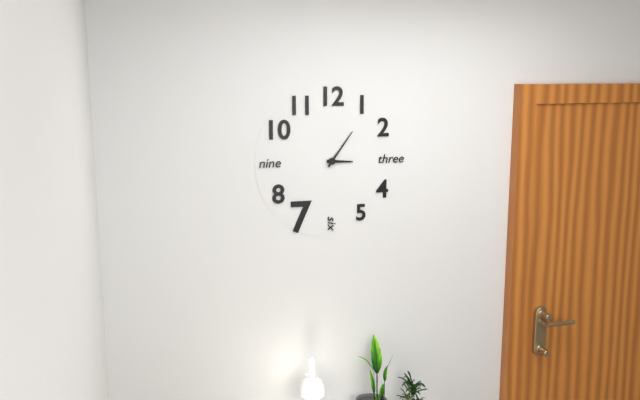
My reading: 3:06
